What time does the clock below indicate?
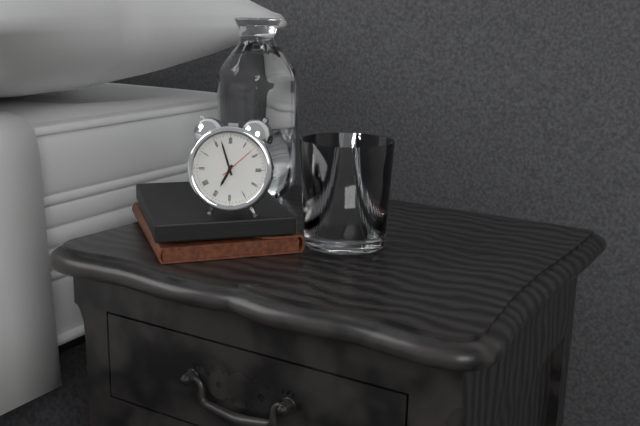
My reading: 6:57
